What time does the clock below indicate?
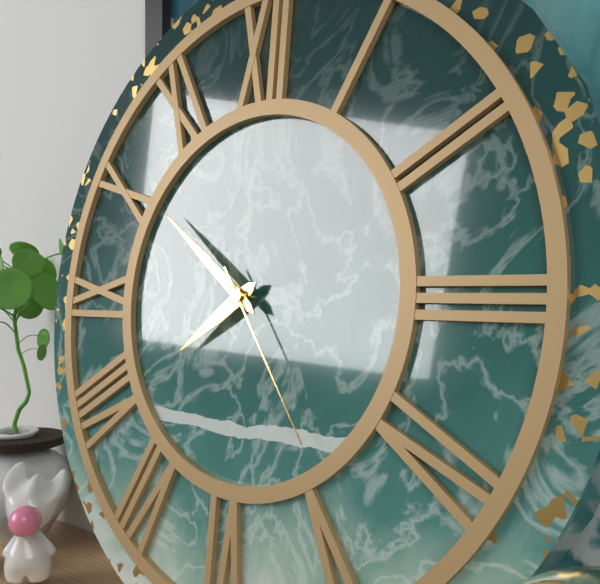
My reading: 7:51:24
